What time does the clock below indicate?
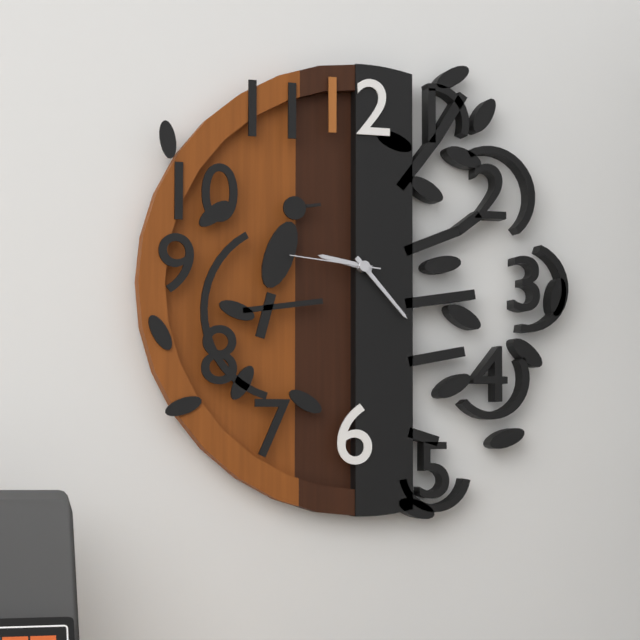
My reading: 9:23:46
